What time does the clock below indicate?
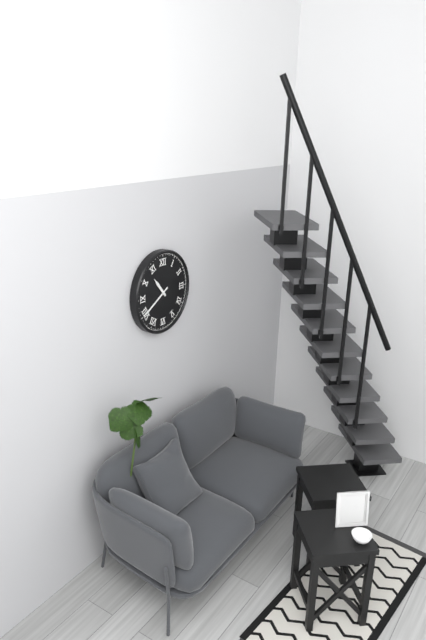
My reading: 10:40
